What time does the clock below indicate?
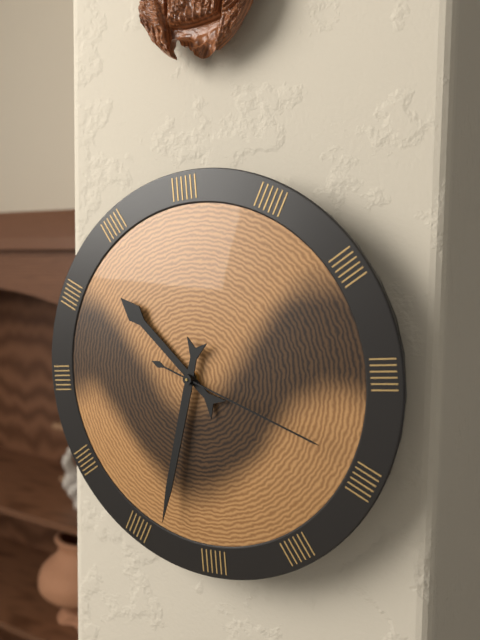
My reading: 10:33:19
